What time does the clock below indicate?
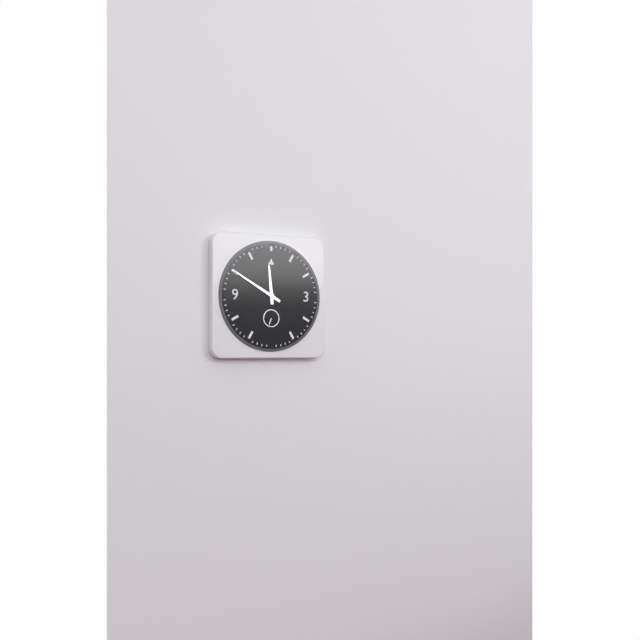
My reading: 11:50
